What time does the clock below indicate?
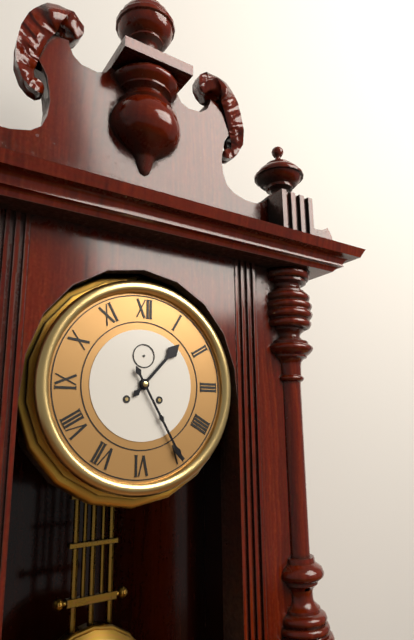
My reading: 1:25
